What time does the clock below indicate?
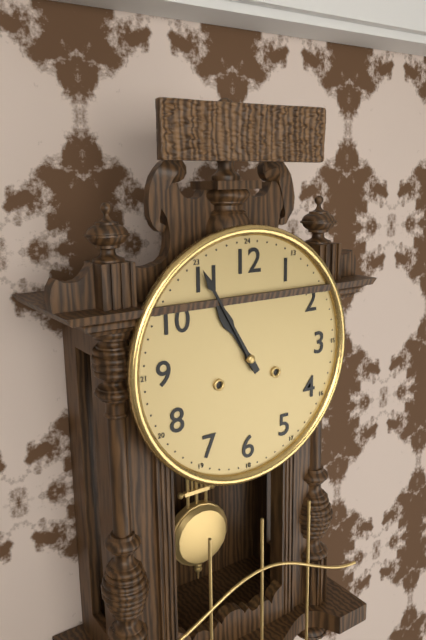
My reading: 10:55
